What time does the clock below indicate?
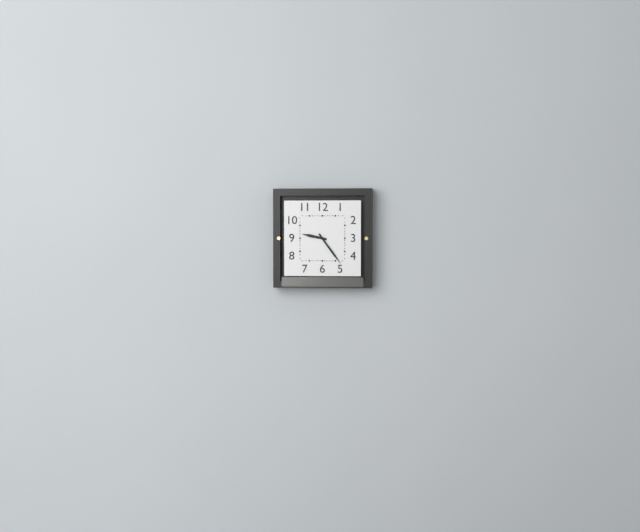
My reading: 9:24
